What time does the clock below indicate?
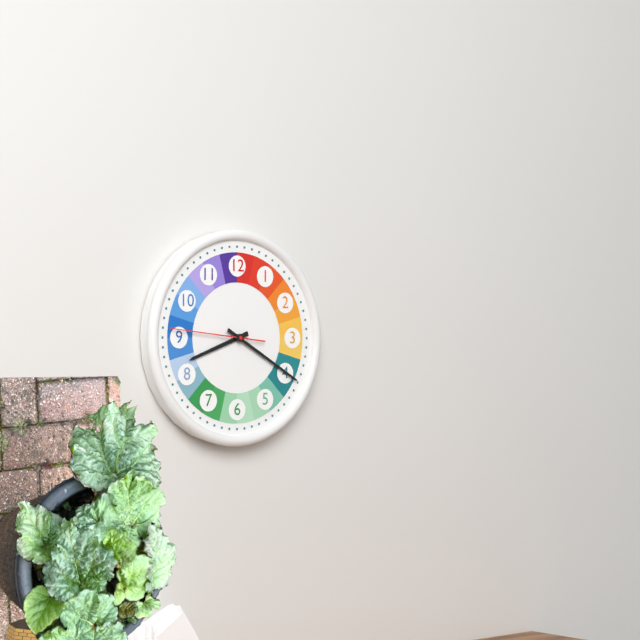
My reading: 8:20:46
